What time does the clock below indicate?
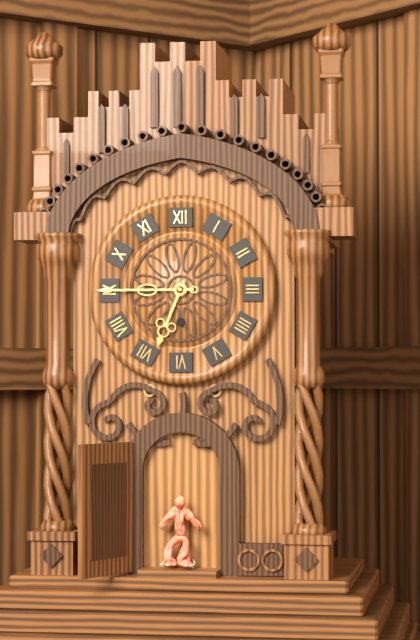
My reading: 6:45
